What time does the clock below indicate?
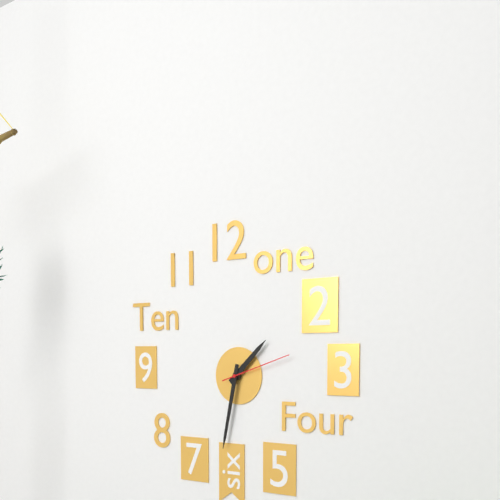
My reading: 1:32:12
